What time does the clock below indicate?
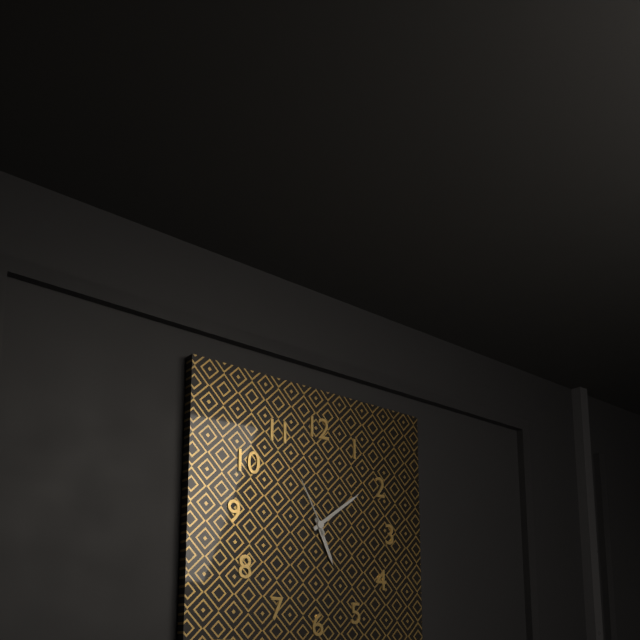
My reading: 5:09:55
